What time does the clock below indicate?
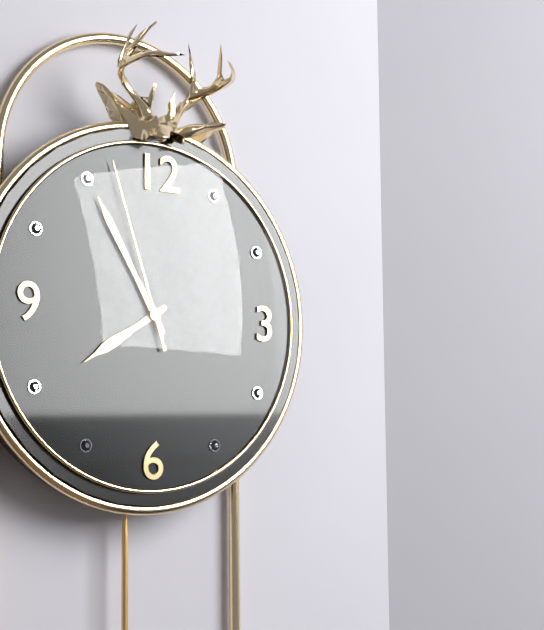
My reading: 7:55:57
